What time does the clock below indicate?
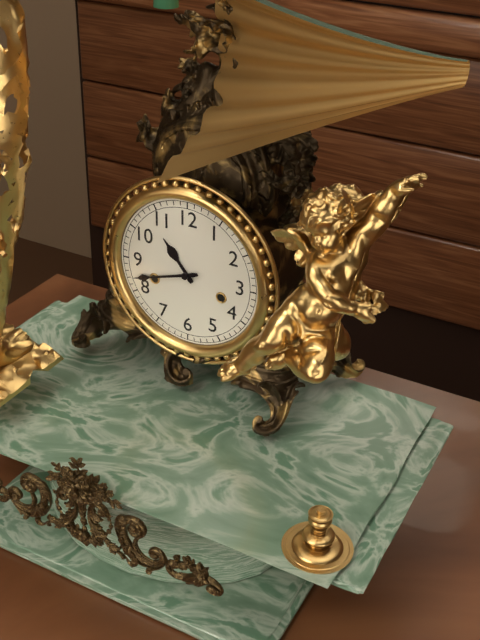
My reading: 10:42
